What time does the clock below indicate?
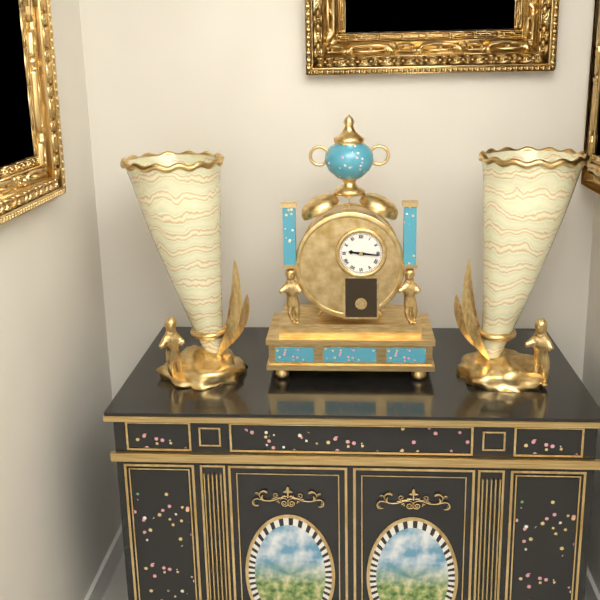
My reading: 9:16
